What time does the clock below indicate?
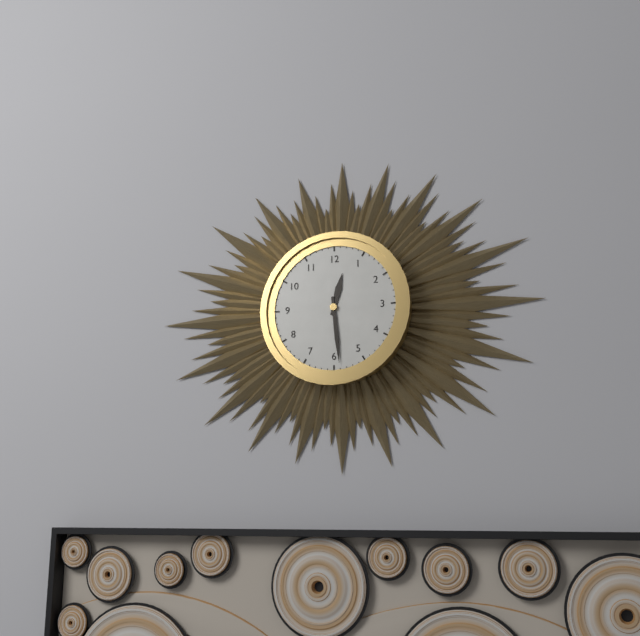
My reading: 12:29
